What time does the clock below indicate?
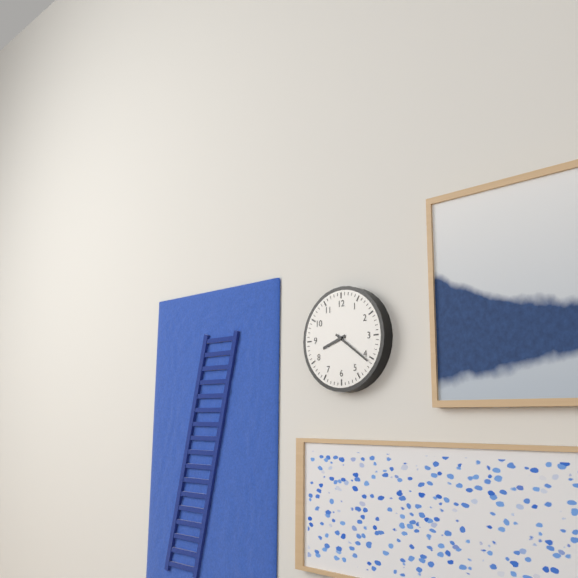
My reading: 8:21
